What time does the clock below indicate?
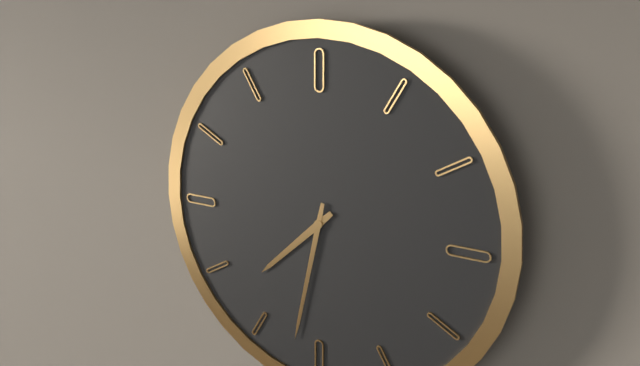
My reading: 7:32
